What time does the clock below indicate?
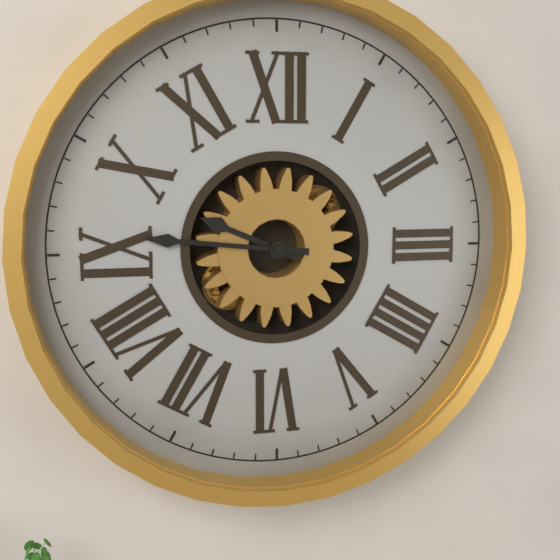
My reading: 9:46
